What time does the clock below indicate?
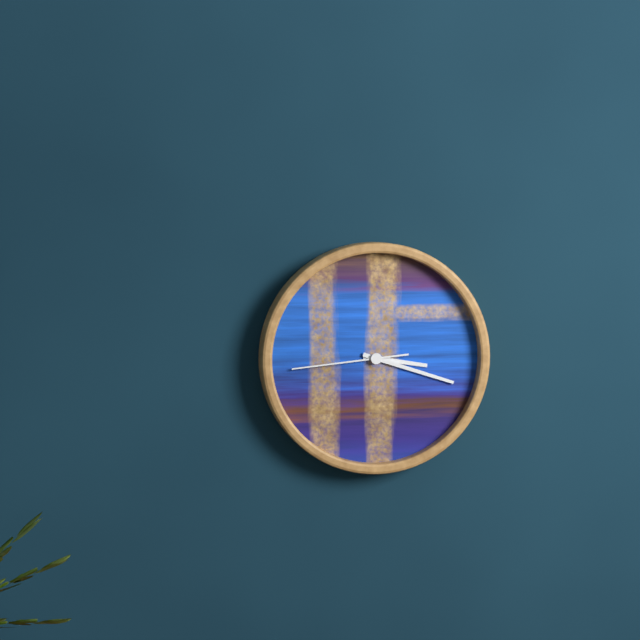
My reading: 3:18:44
